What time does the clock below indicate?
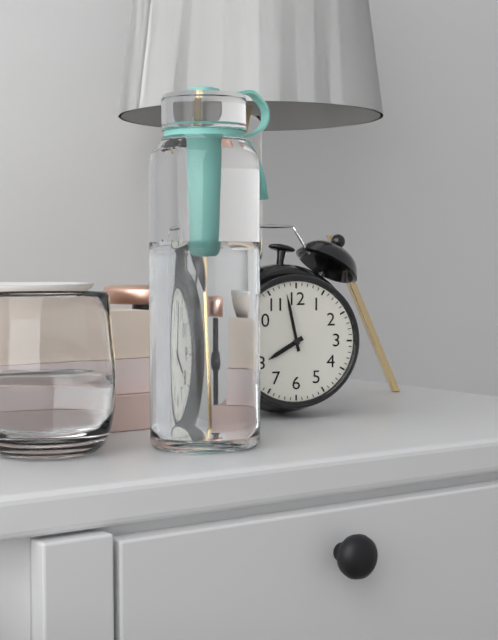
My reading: 7:58
